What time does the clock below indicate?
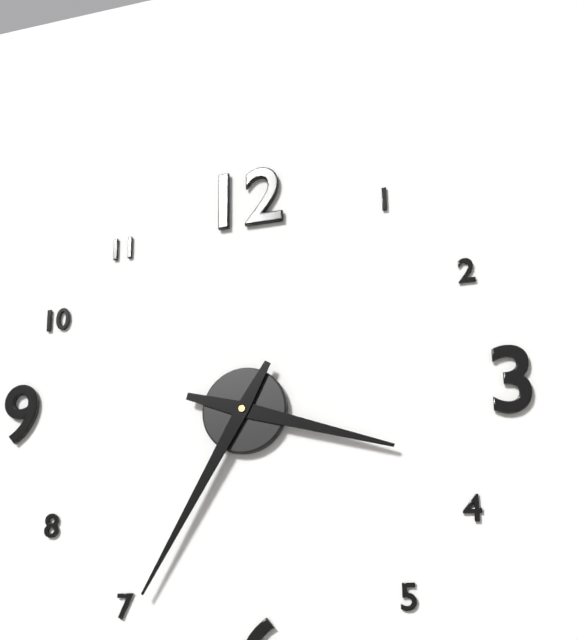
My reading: 3:35
